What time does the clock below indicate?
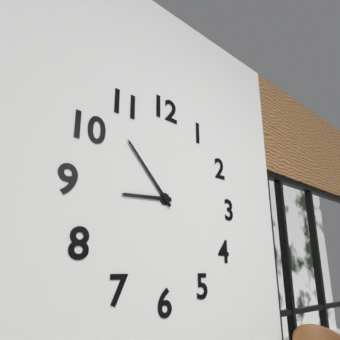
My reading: 8:53
